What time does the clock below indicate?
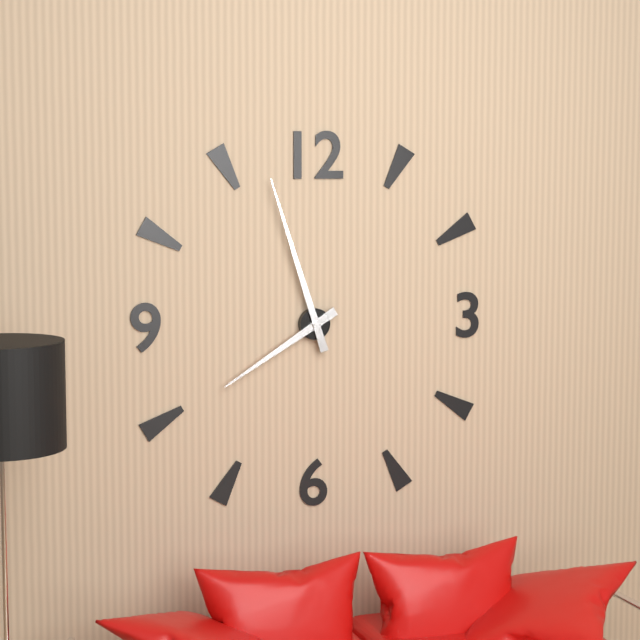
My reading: 7:57
